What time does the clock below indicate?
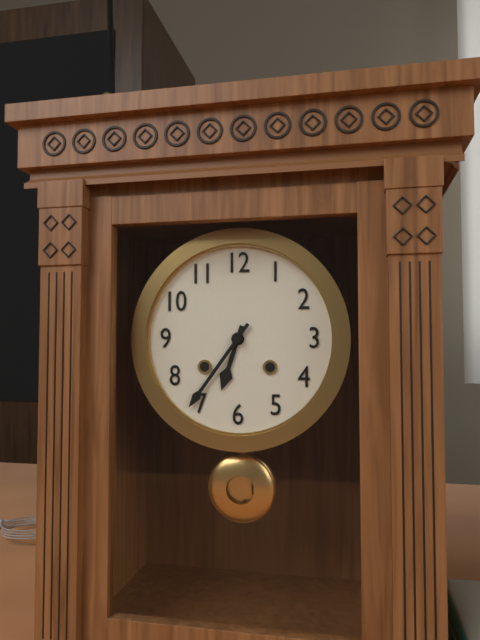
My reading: 6:36
